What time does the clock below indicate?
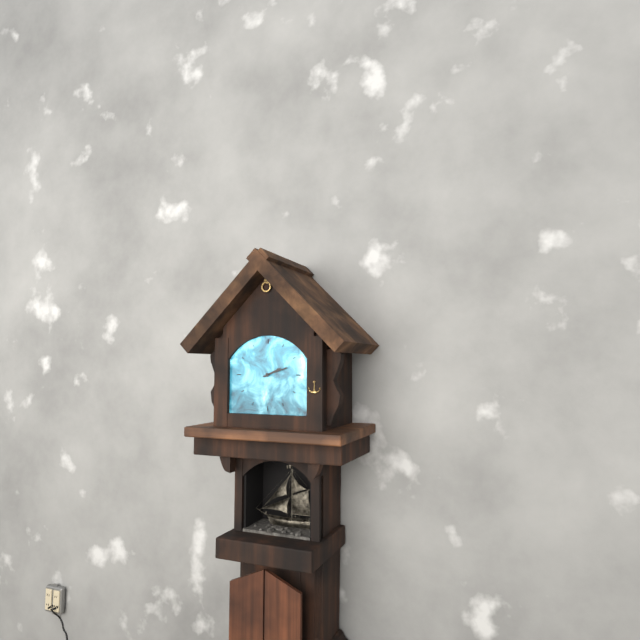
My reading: 2:12
